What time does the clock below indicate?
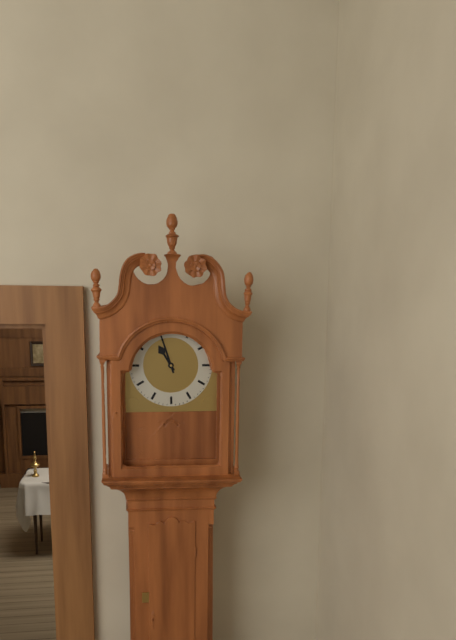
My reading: 10:57
